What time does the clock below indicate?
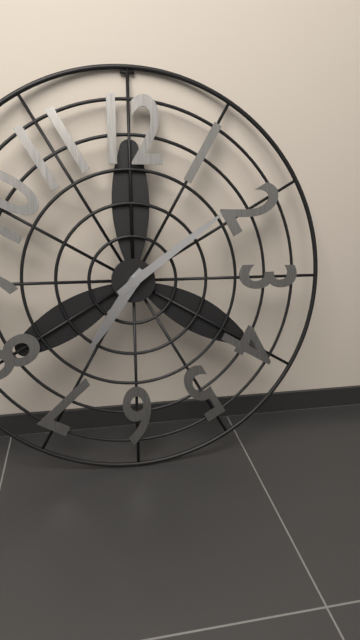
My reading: 7:09
